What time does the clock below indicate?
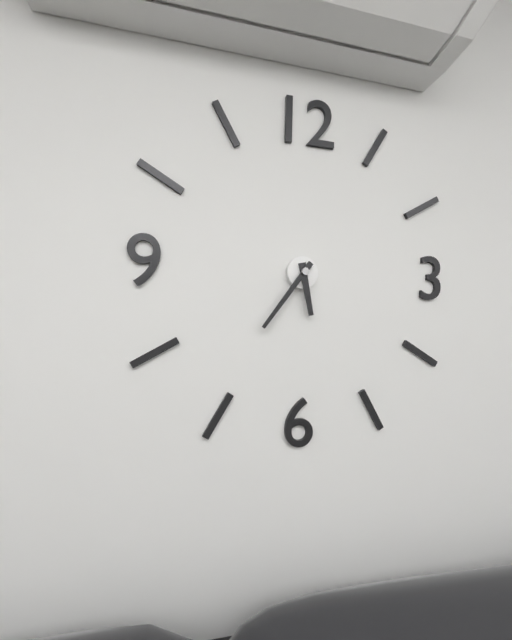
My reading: 5:36
